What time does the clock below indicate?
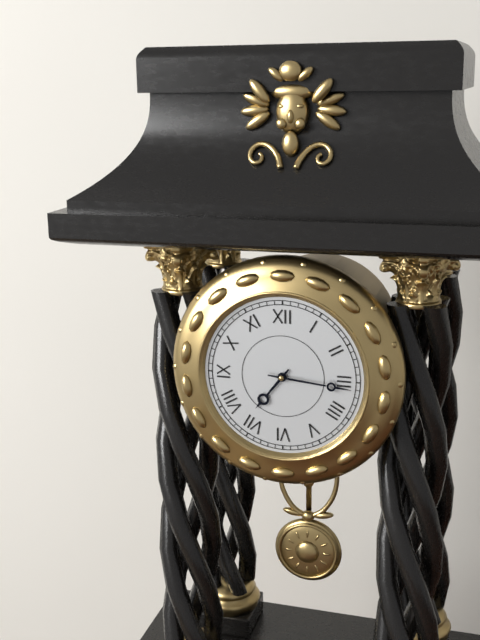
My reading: 7:16
